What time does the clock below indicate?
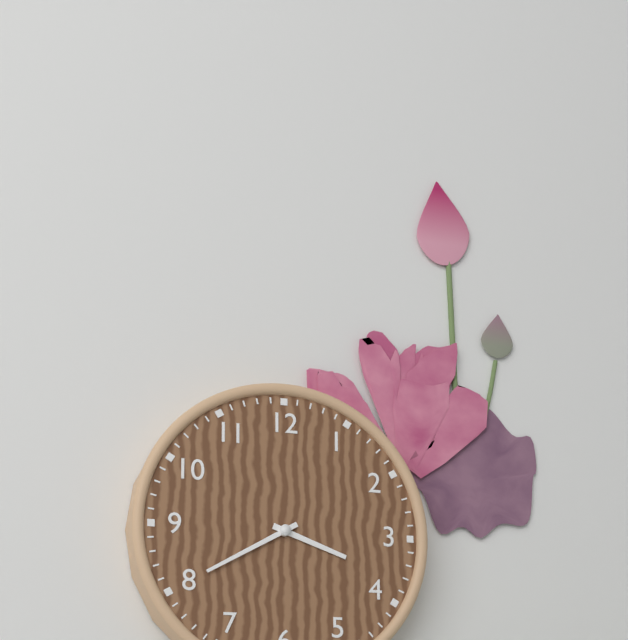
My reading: 3:40
